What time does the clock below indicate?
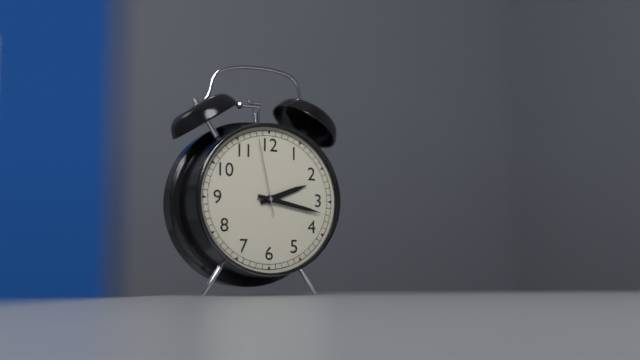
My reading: 2:17:58
